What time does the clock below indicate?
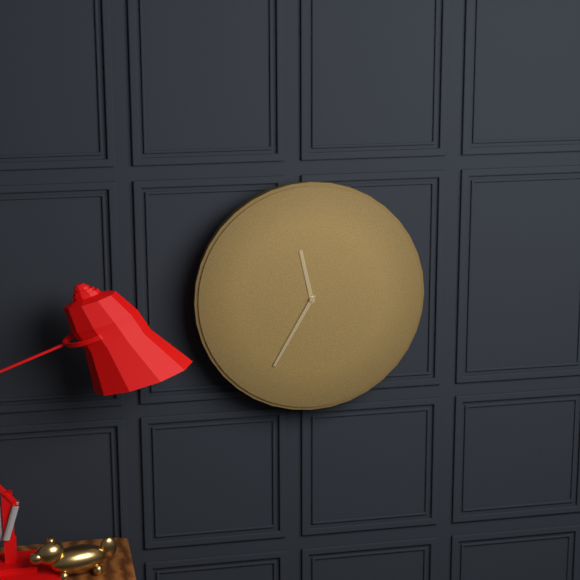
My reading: 11:35
